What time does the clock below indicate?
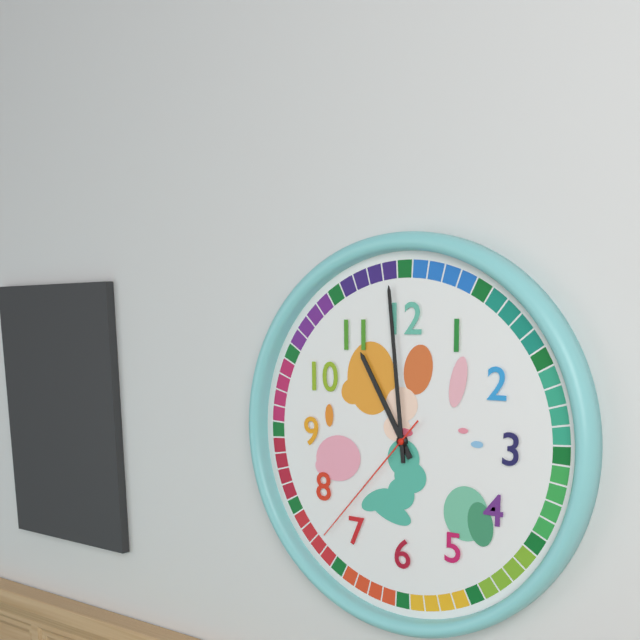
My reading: 10:59:37
